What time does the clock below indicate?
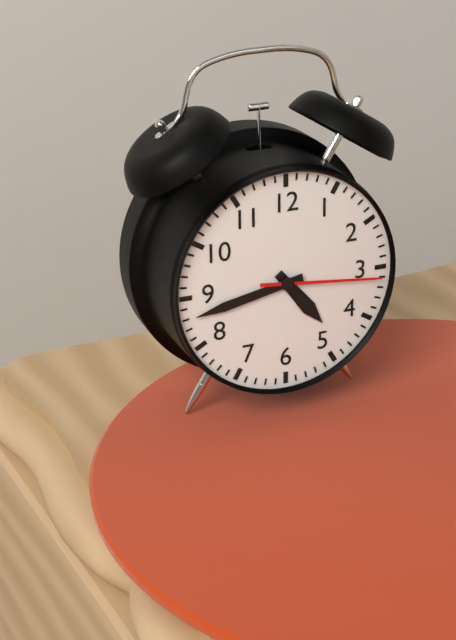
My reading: 4:43:16
